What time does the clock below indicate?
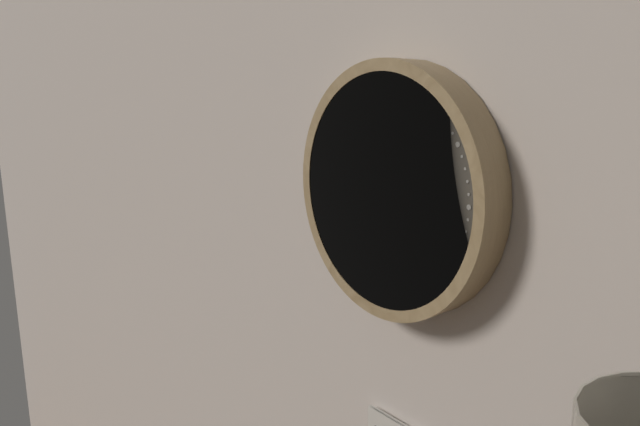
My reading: 2:34
